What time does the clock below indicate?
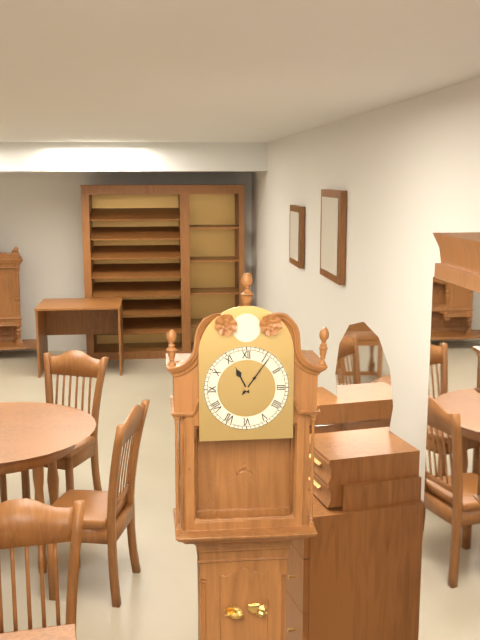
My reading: 11:06
